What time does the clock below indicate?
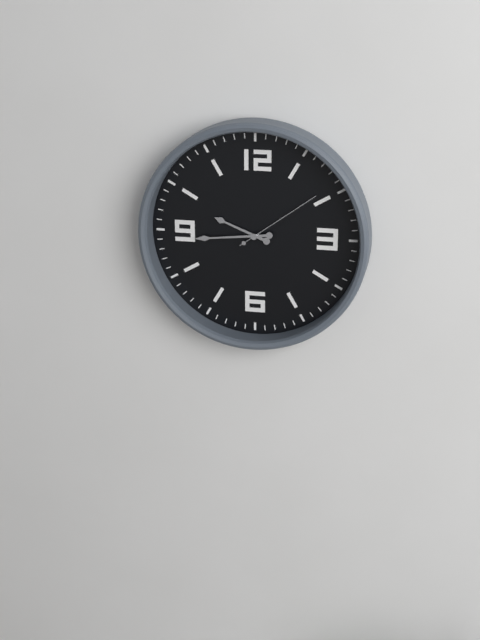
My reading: 9:44:09
